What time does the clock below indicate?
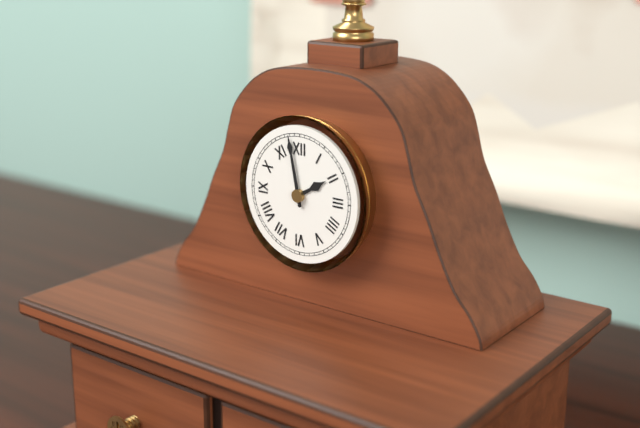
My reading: 1:58
